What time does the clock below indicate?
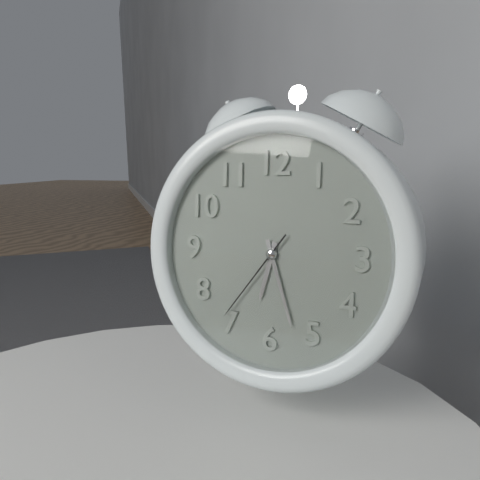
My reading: 6:27:36
